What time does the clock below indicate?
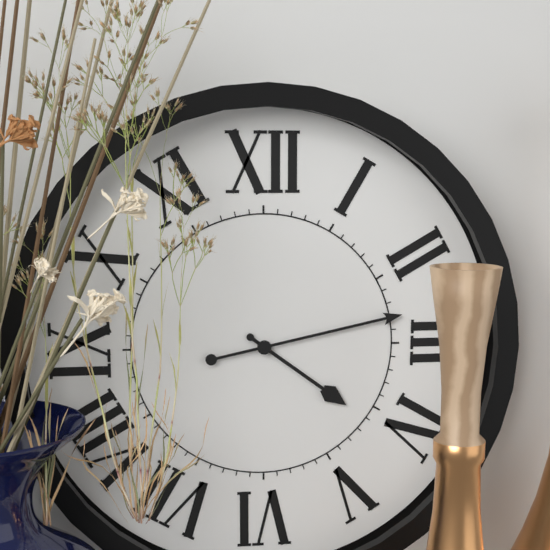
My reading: 4:13
